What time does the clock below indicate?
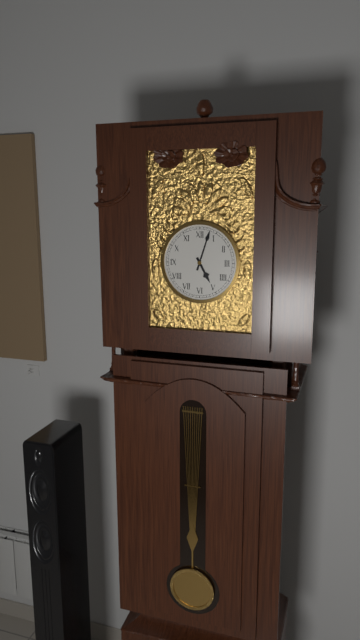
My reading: 5:03
